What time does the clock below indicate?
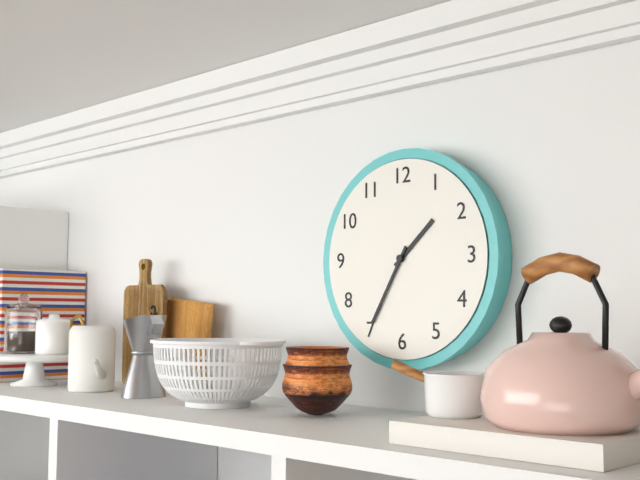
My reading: 1:35
